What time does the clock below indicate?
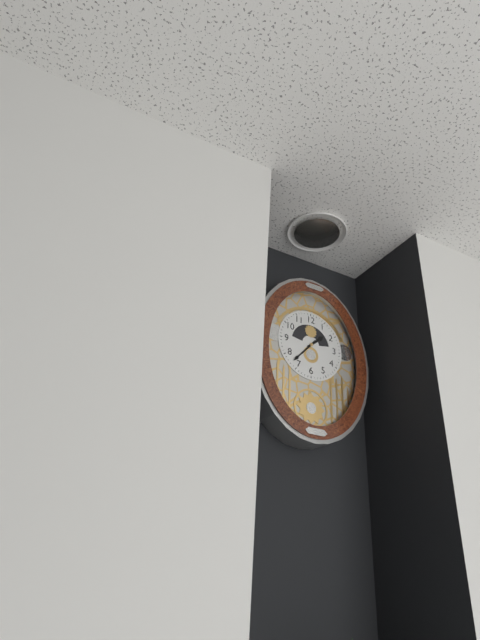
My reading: 1:37
